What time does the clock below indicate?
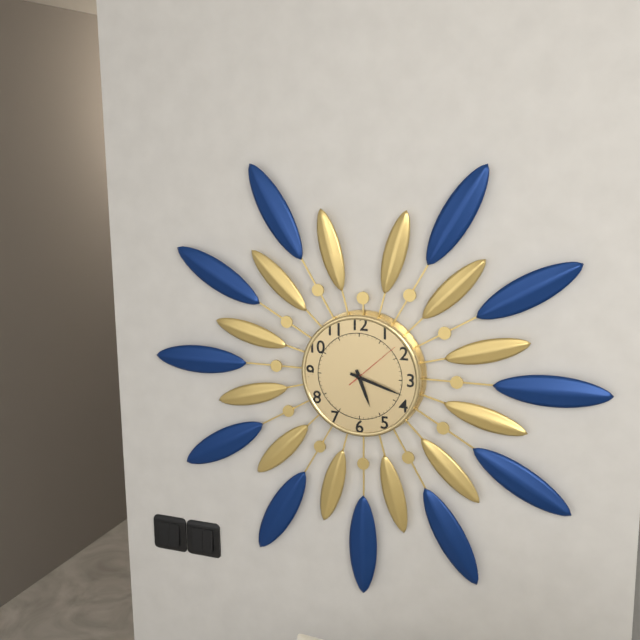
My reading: 5:18:08
